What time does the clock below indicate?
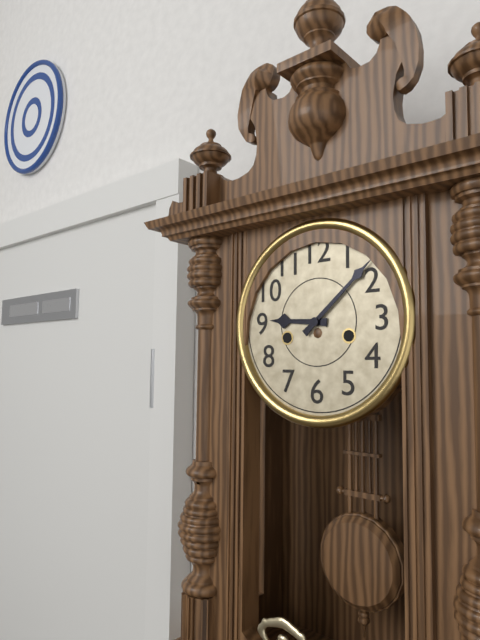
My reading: 9:08
